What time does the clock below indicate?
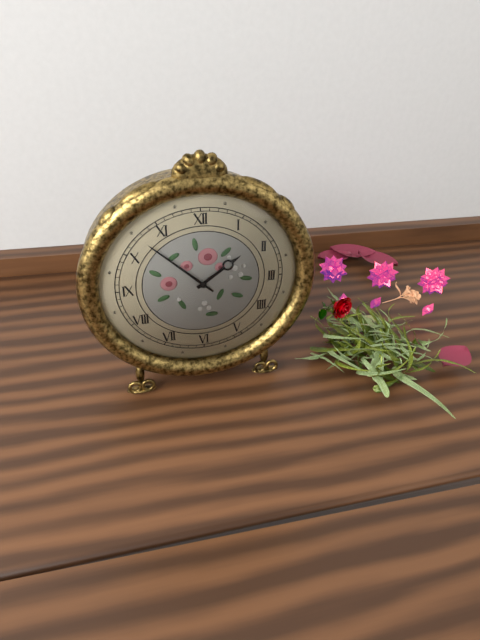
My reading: 1:52
